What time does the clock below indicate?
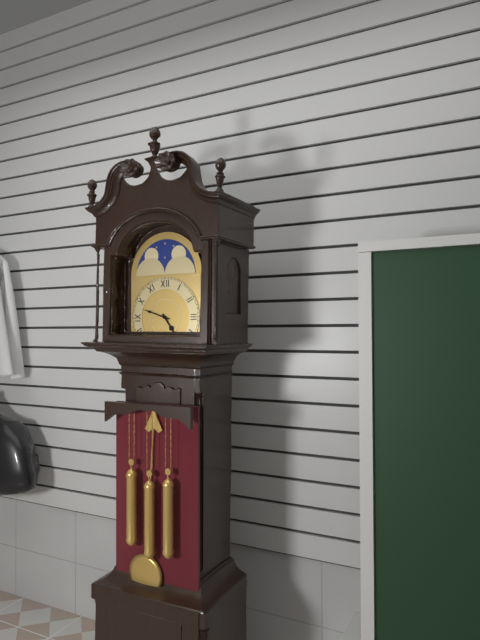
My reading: 4:48
